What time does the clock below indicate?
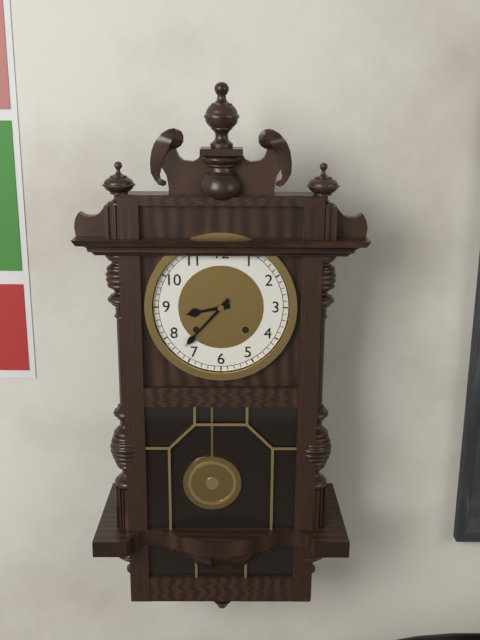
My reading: 8:37
